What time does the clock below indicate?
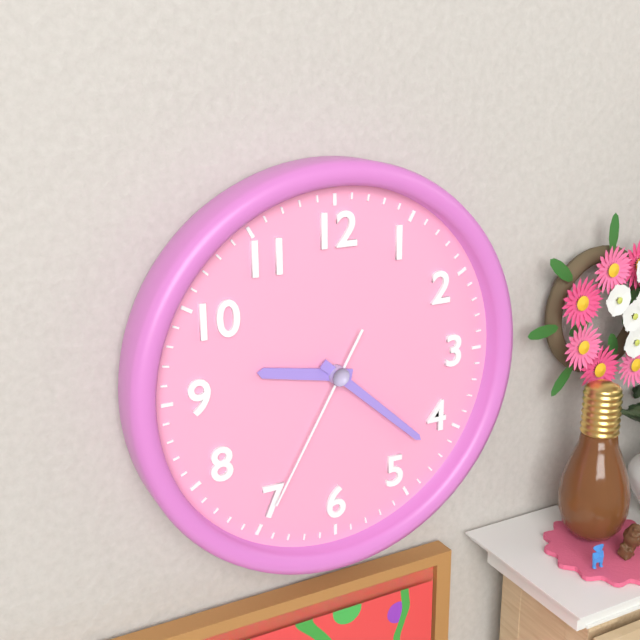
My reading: 9:22:35
